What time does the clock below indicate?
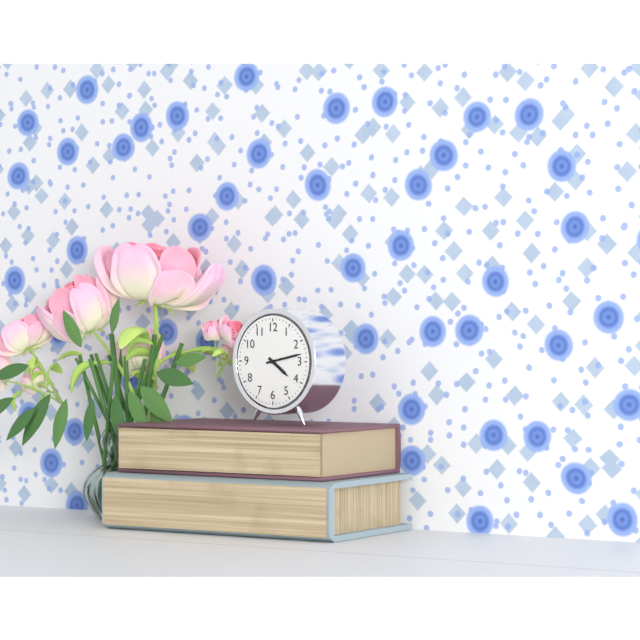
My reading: 4:13
